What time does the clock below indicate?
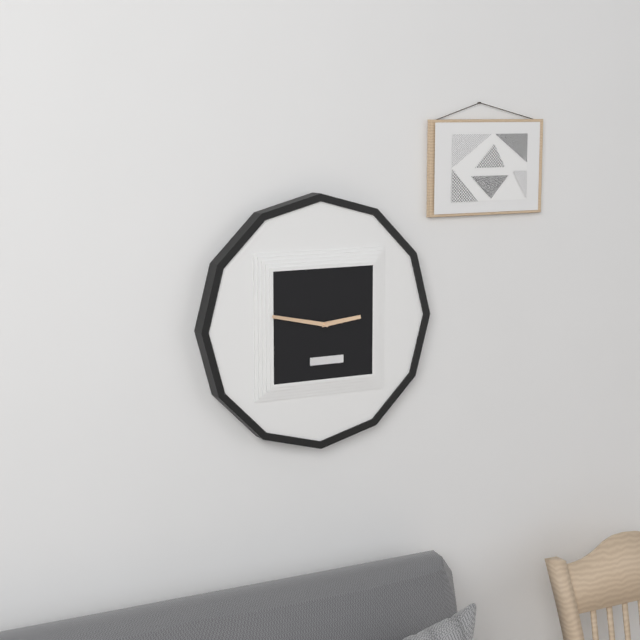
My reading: 2:47
